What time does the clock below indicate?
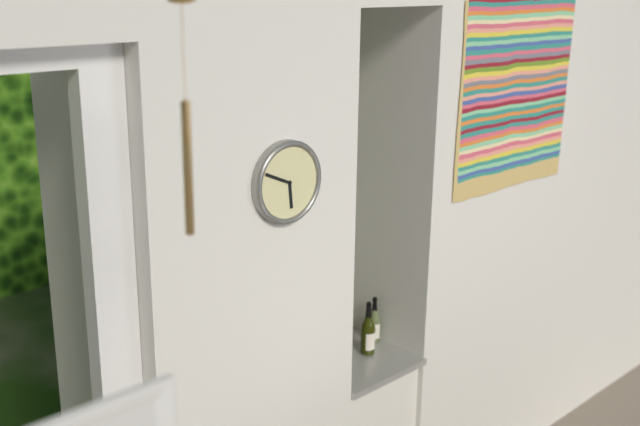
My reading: 5:49
